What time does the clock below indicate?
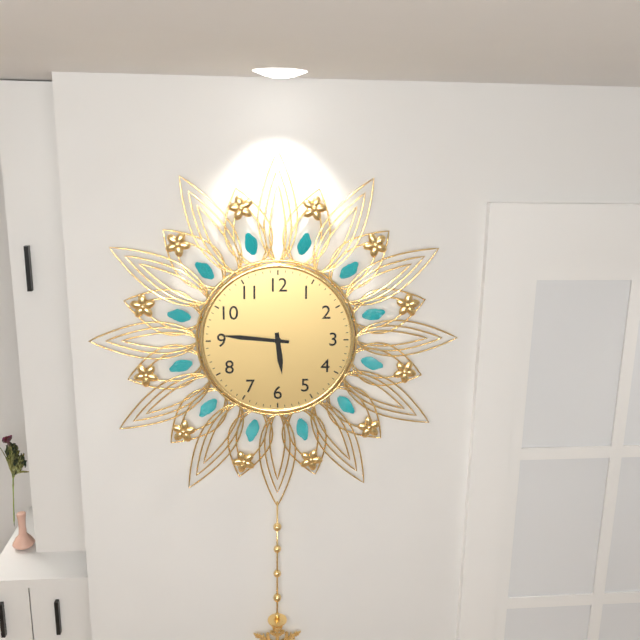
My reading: 5:46
